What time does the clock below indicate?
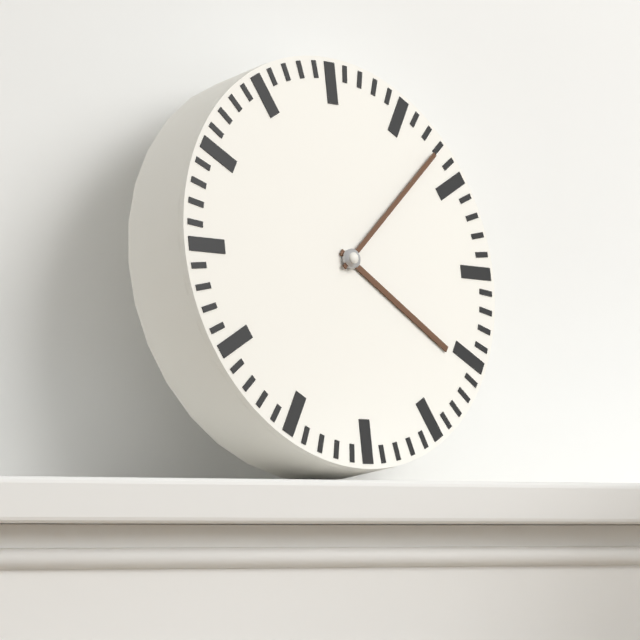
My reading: 4:08
